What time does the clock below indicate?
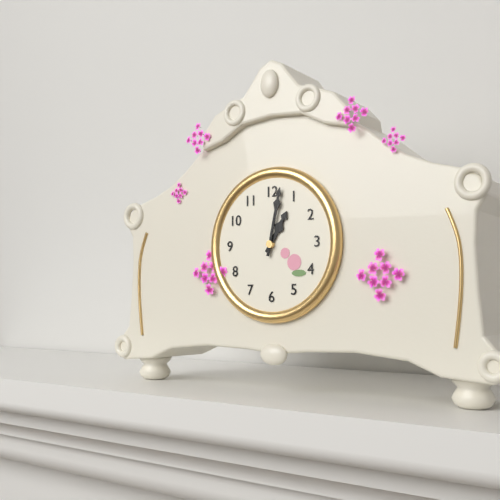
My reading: 1:02
